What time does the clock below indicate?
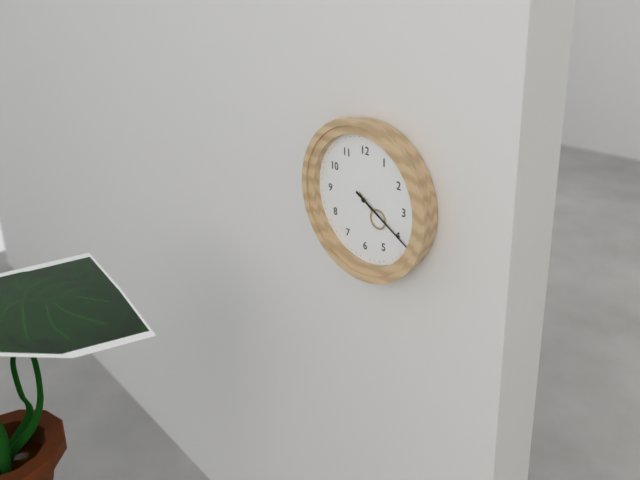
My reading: 4:20
